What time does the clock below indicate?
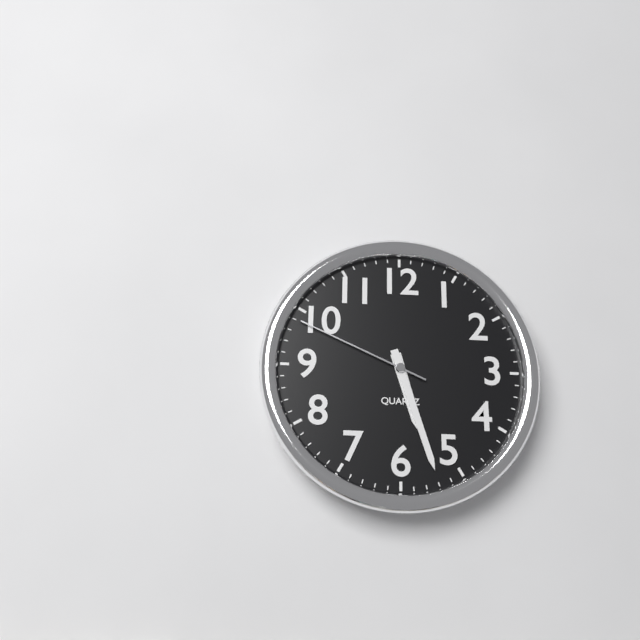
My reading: 5:27:49
